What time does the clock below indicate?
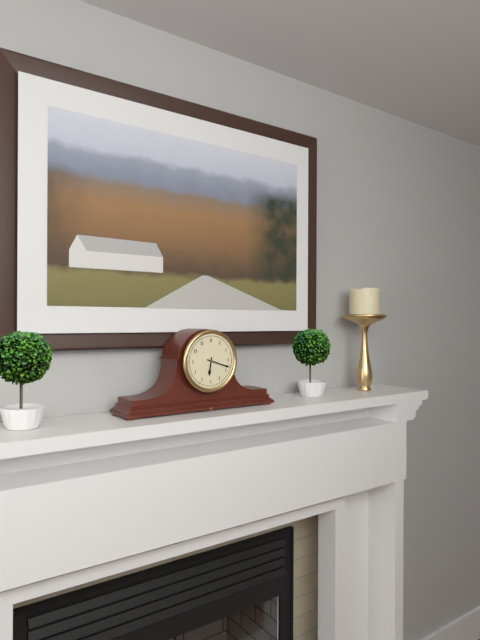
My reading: 6:18
